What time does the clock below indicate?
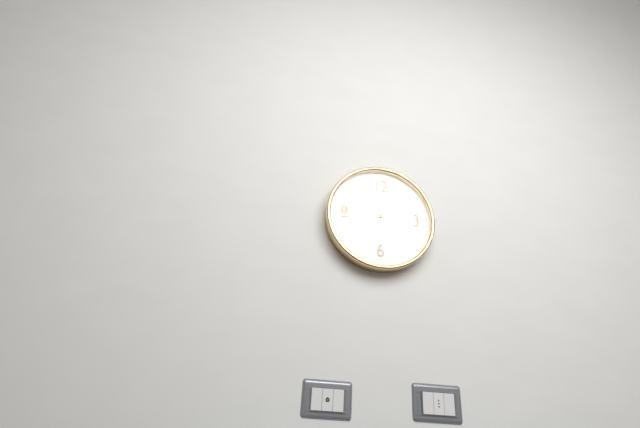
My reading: 6:44
